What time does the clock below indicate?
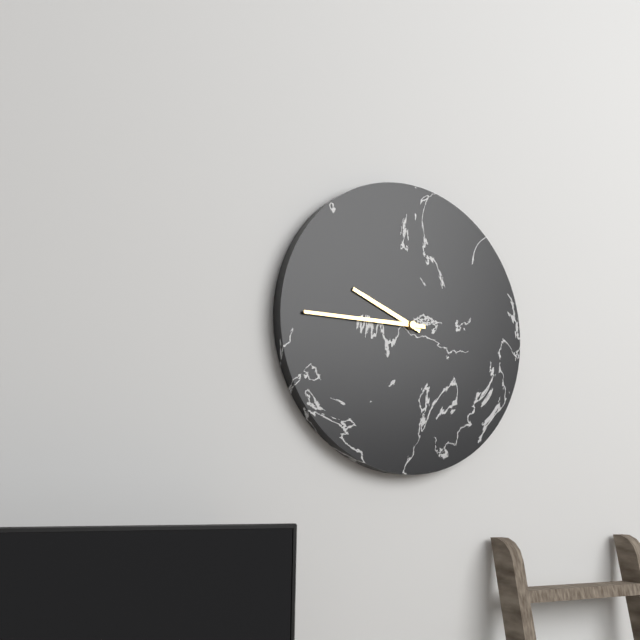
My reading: 9:45
